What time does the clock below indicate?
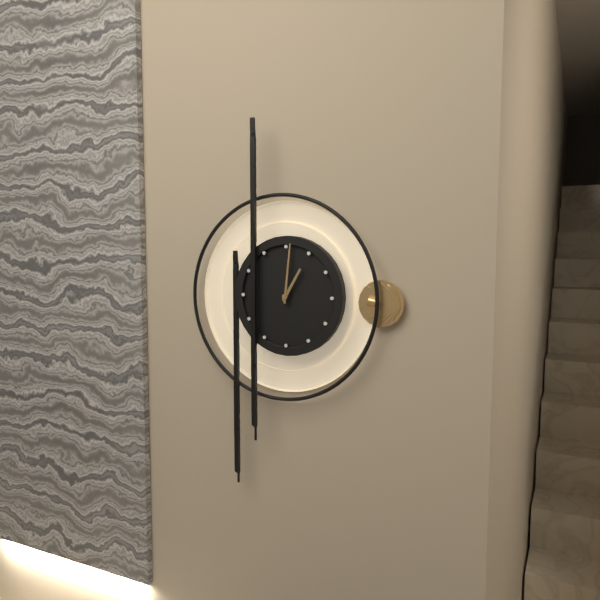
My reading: 1:01
